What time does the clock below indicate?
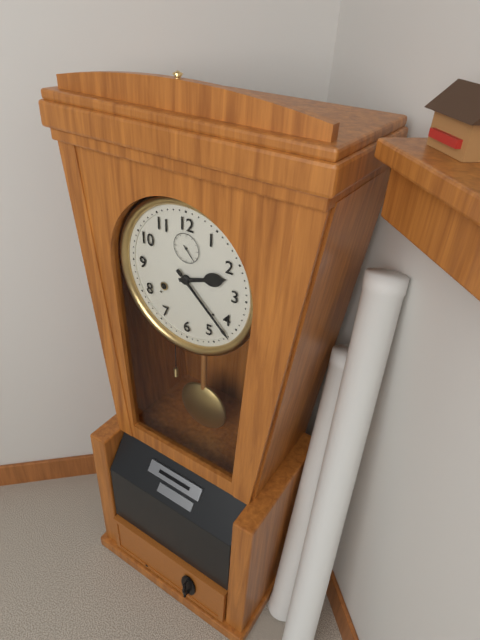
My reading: 2:22
